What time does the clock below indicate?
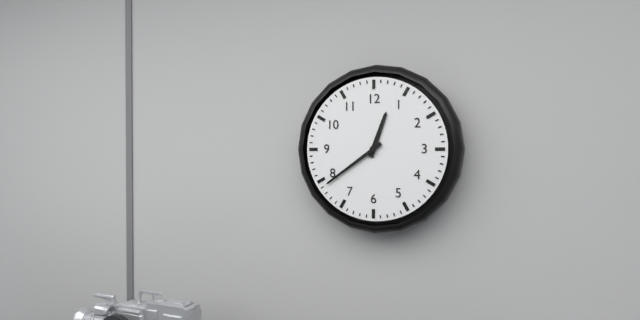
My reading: 12:39
